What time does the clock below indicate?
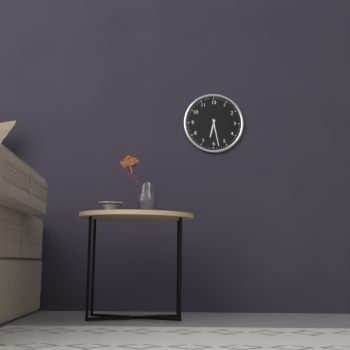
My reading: 6:28
